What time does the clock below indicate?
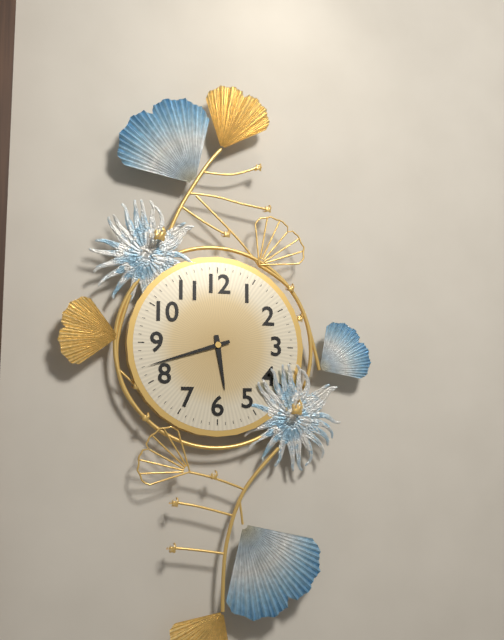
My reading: 5:42
